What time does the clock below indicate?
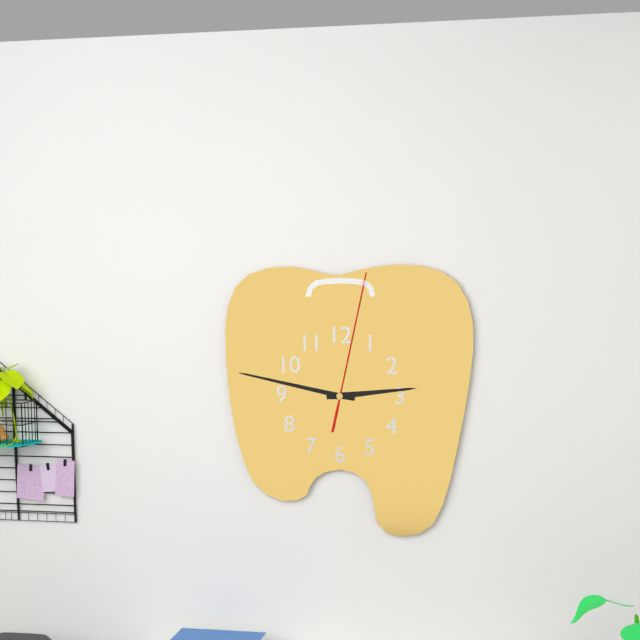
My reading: 2:47:02
